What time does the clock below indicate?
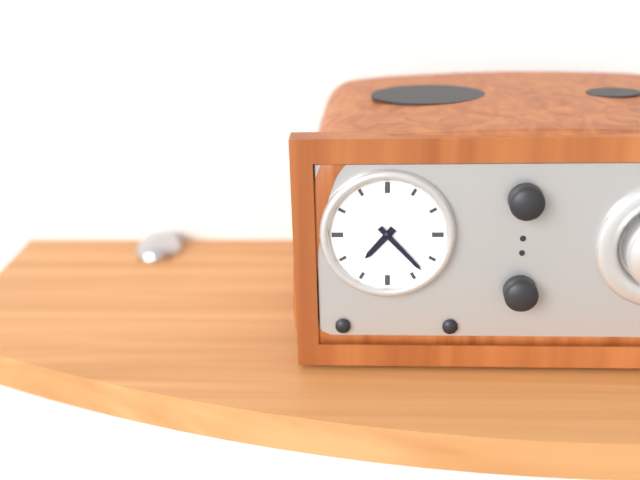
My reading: 7:23
